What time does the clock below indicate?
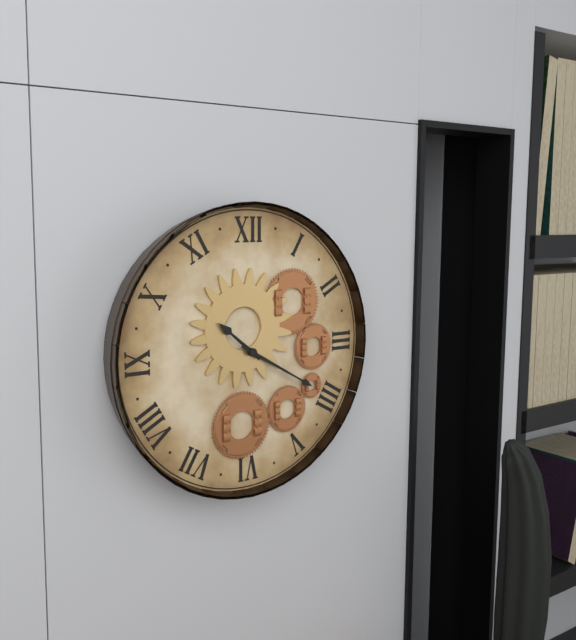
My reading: 10:20
